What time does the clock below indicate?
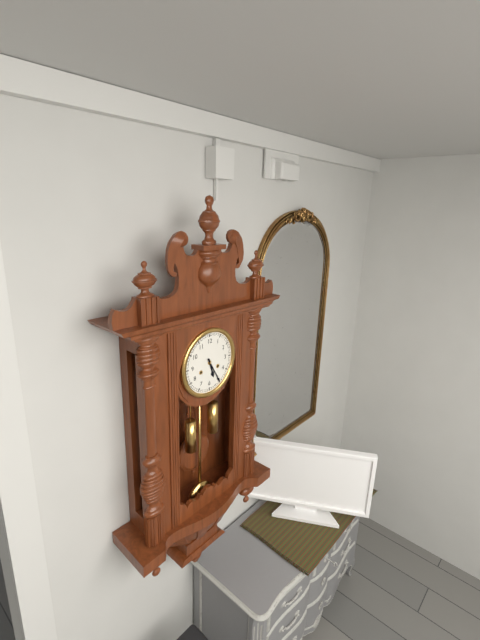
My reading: 5:25
